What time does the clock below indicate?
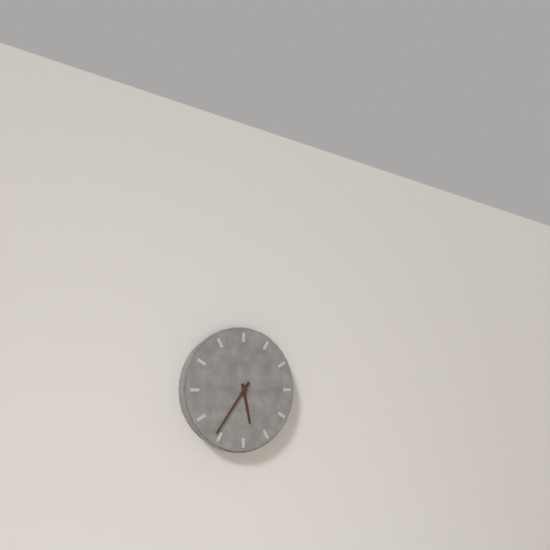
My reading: 5:36
